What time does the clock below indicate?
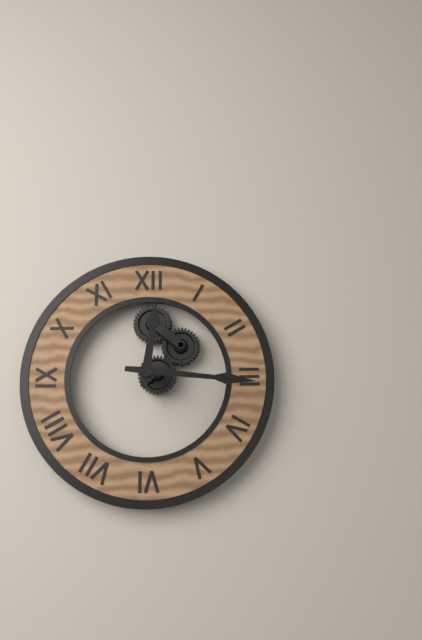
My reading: 12:16
